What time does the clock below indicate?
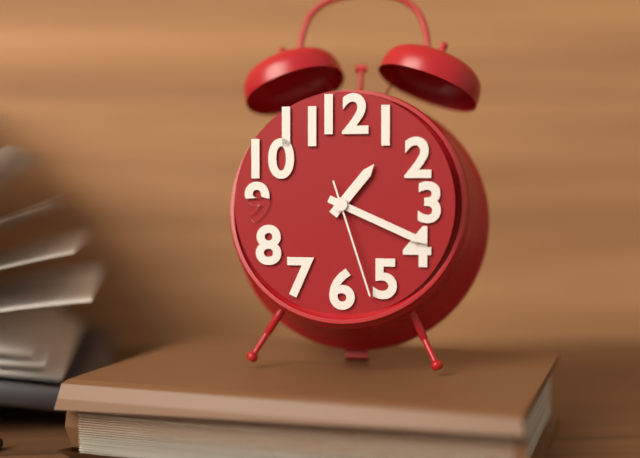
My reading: 1:19:27
